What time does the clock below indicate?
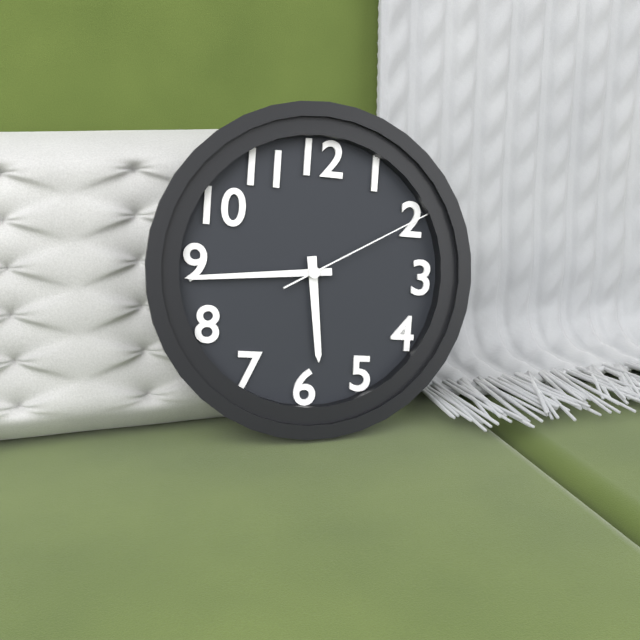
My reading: 5:44:10
